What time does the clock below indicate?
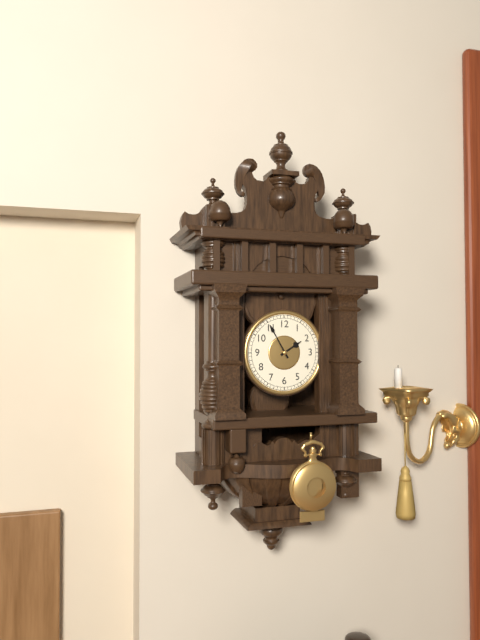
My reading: 1:55
